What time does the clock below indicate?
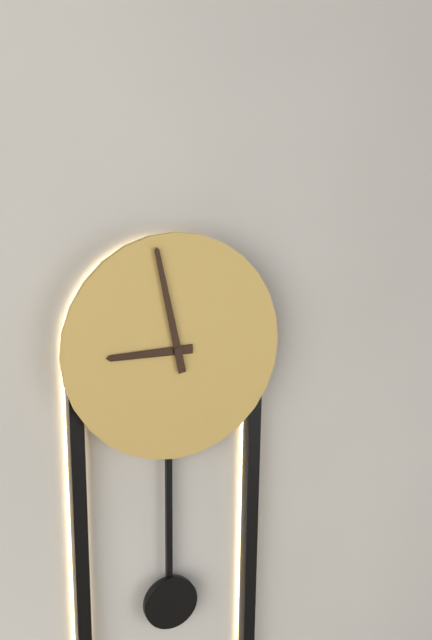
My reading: 8:58
